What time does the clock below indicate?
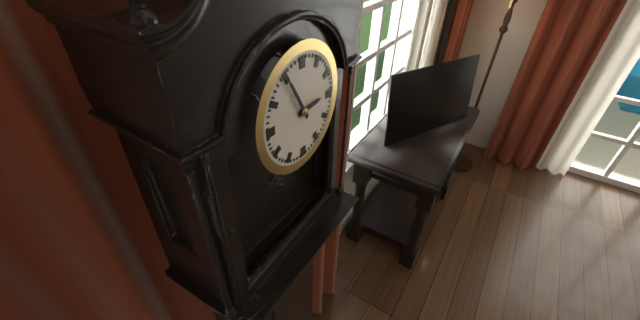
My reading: 2:55
